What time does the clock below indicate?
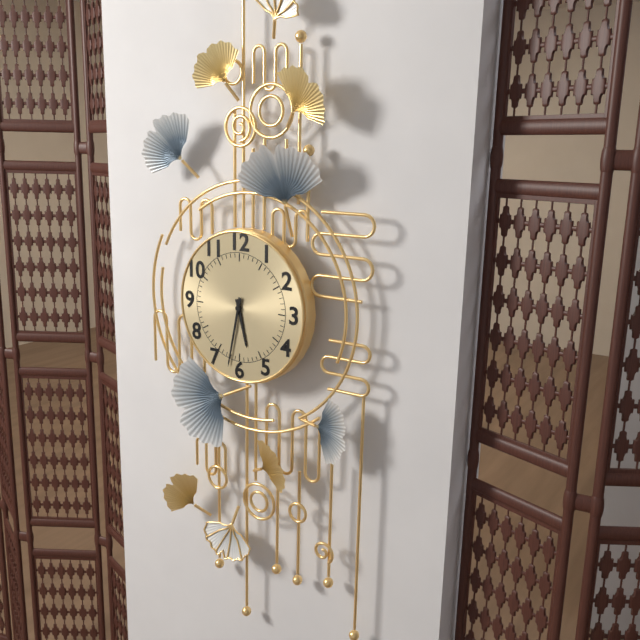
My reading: 5:32
